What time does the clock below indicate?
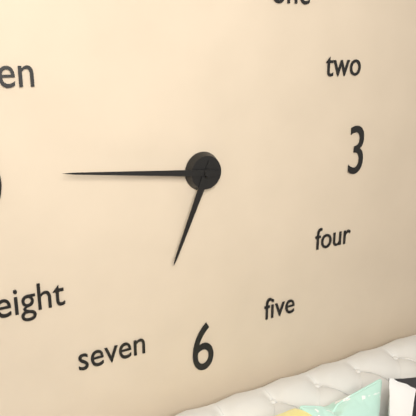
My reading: 6:46
